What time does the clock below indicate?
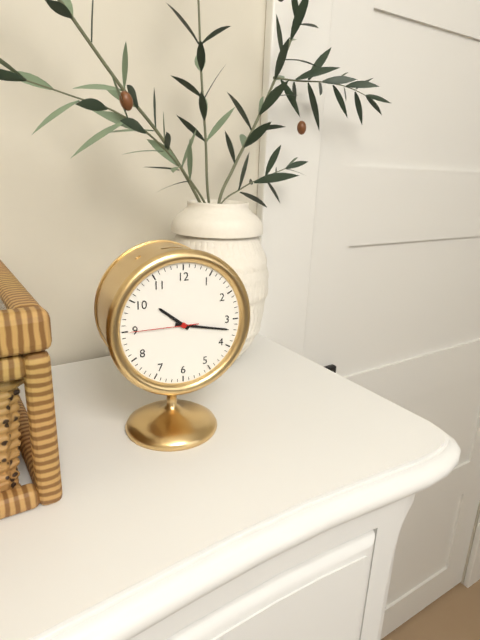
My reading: 10:17:45
